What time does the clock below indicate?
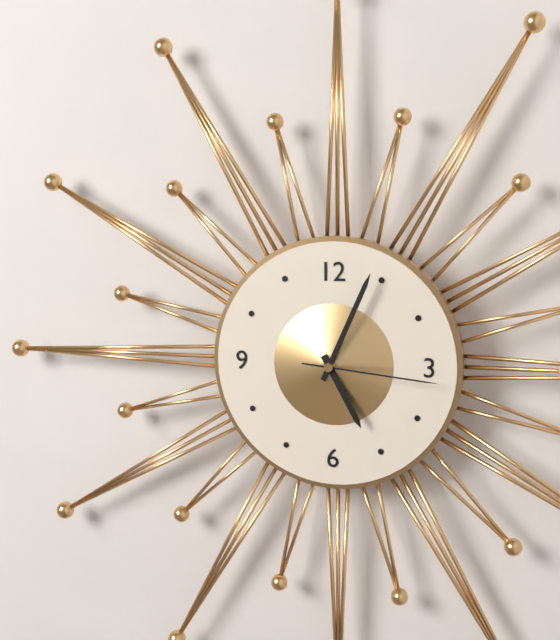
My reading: 5:04:16
